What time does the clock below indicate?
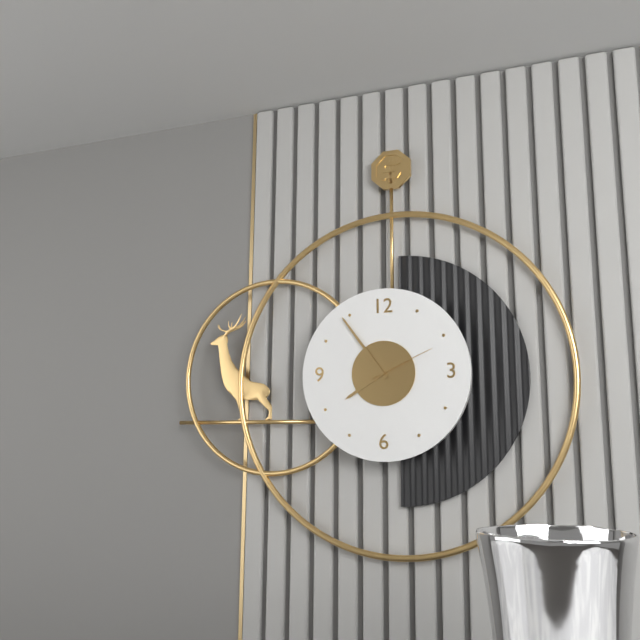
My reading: 7:54:11
